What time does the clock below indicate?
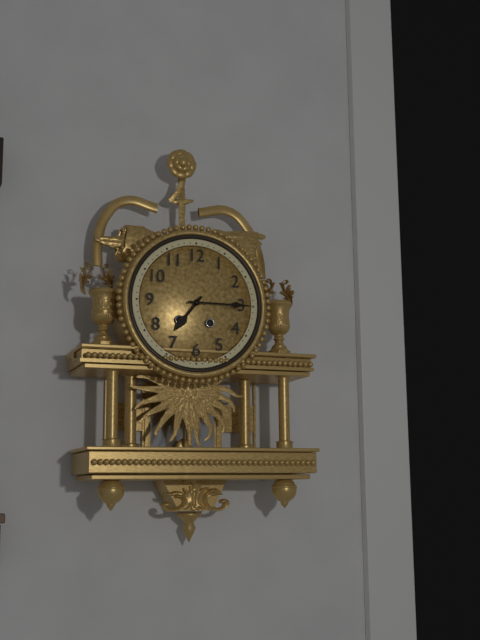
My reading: 7:15
